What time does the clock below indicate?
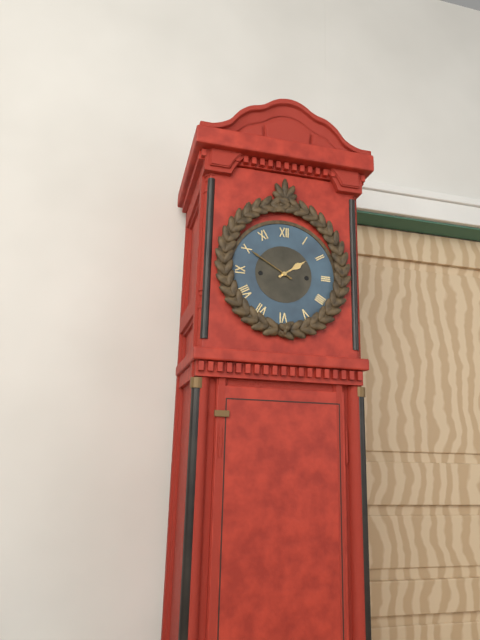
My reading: 1:50
